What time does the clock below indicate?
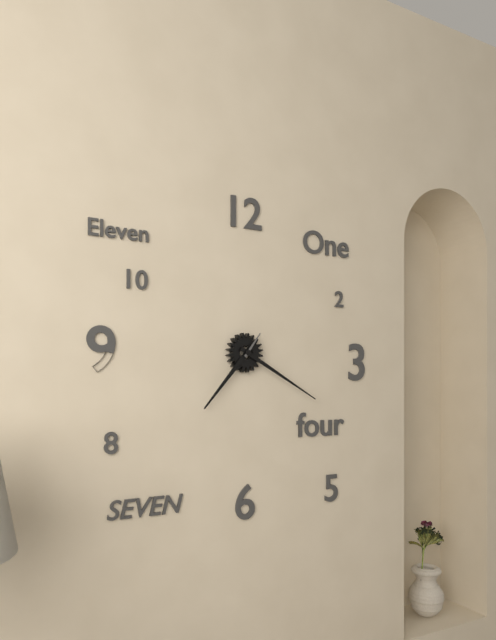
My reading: 7:20
